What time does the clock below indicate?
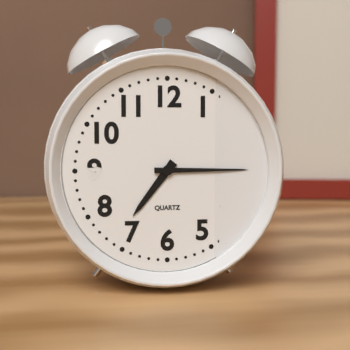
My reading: 7:15
